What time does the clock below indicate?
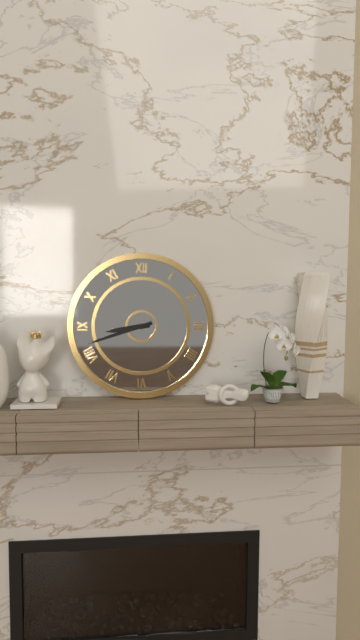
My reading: 8:42
